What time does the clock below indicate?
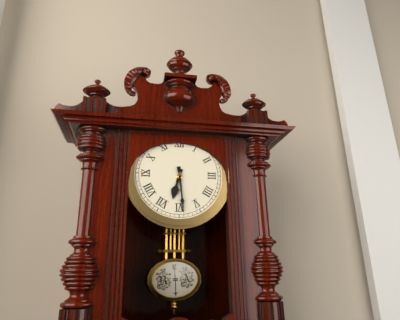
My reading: 6:29
